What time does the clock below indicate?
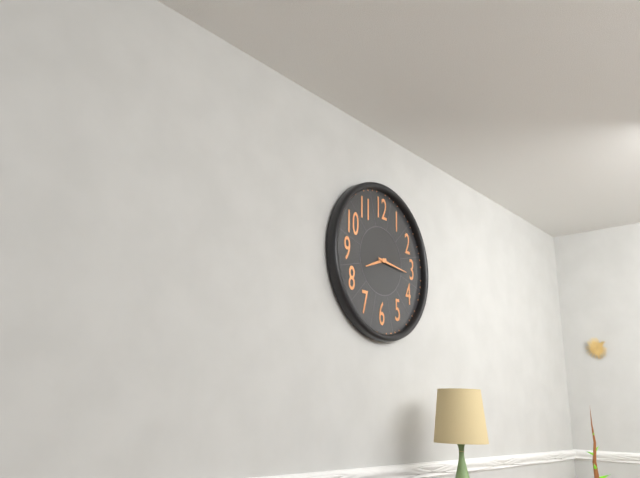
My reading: 8:16
